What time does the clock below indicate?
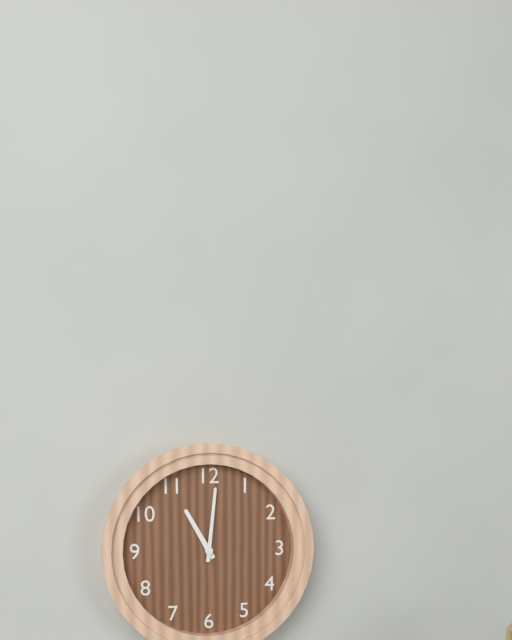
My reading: 11:01
